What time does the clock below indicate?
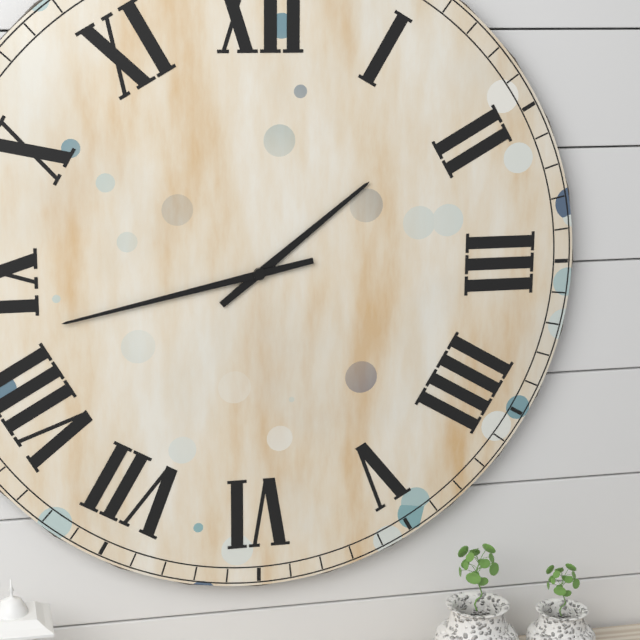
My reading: 1:43
